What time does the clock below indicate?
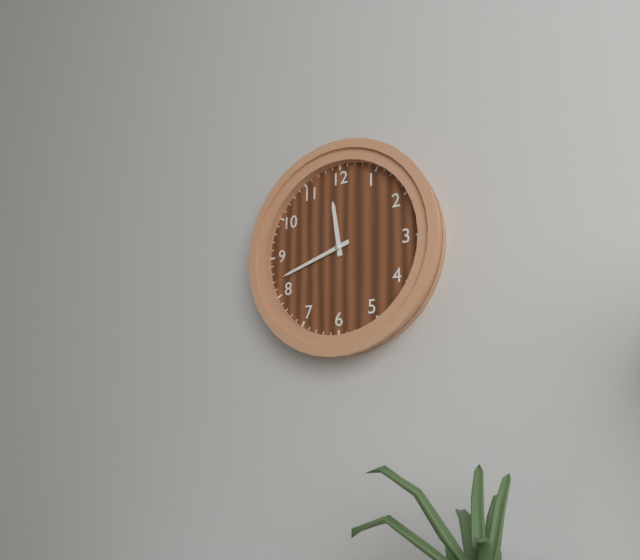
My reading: 11:42
